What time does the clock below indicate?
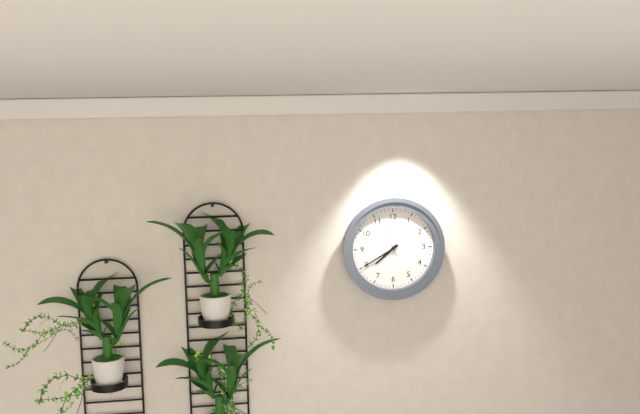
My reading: 7:40
